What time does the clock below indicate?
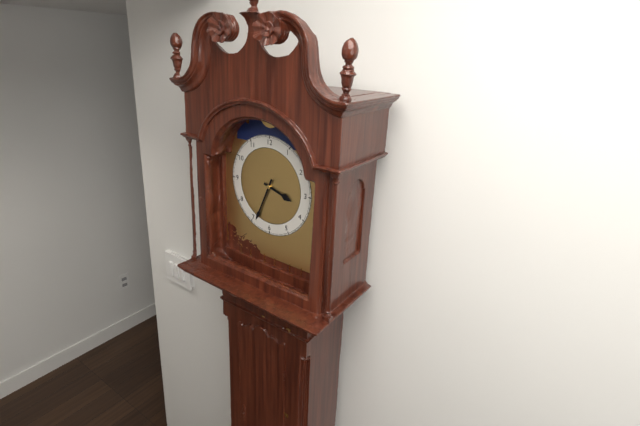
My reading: 3:34
